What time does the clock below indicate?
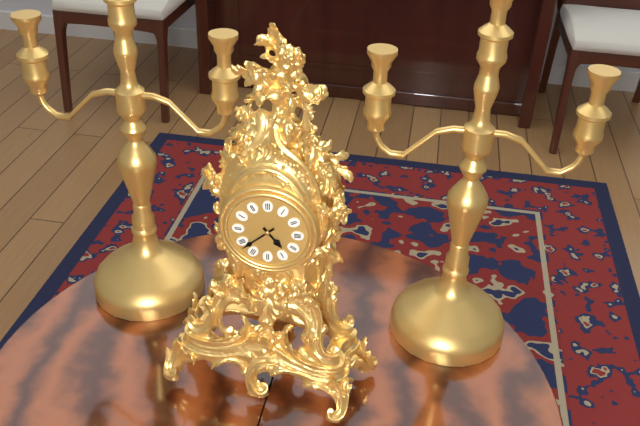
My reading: 4:38
